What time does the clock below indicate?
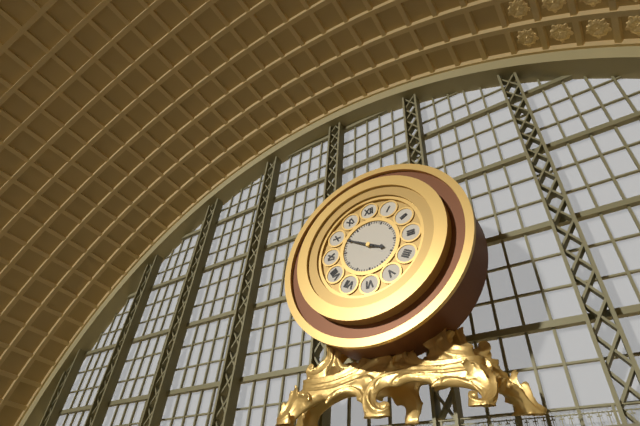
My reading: 3:50
